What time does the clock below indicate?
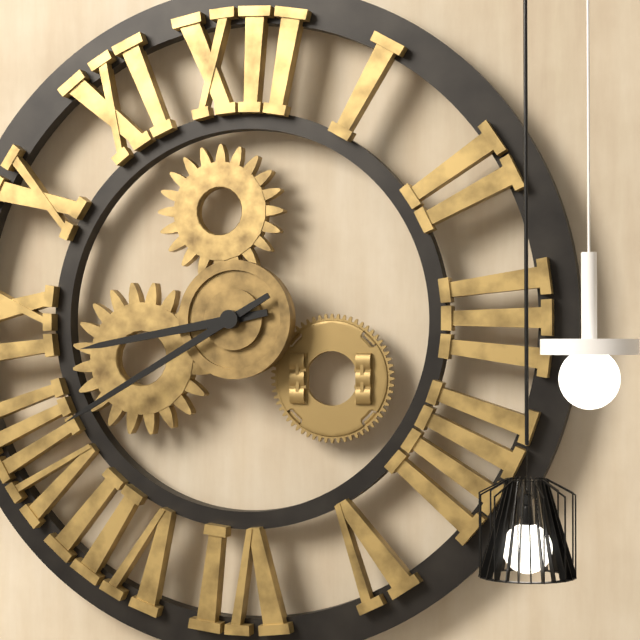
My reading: 8:40
